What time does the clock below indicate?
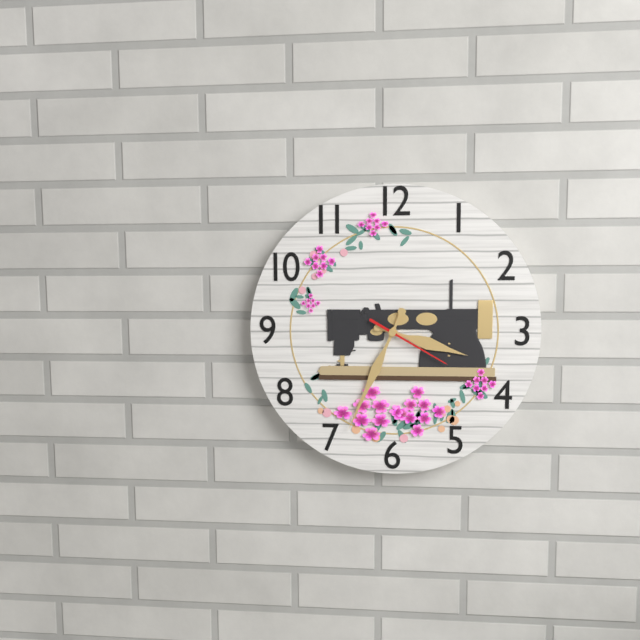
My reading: 3:34:20
